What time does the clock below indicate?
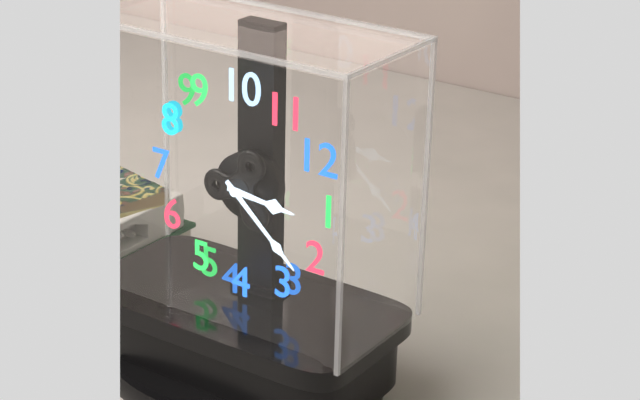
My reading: 1:12
